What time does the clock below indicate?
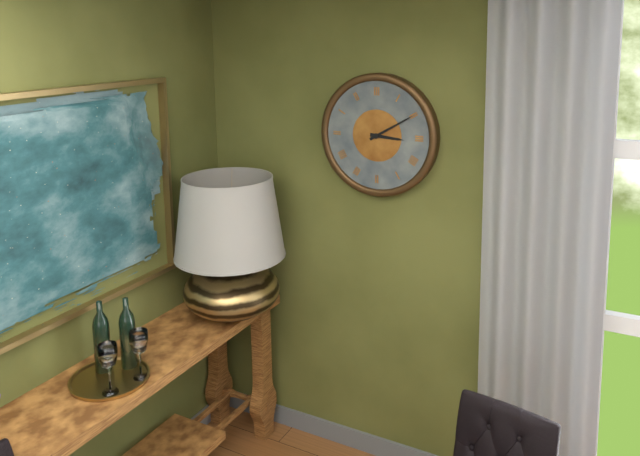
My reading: 3:10
